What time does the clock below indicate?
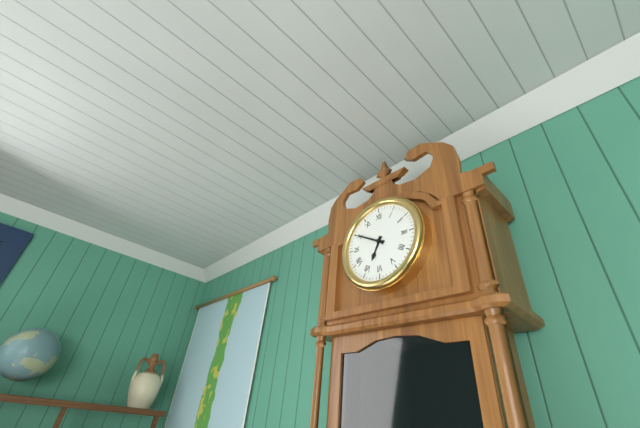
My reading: 6:50
